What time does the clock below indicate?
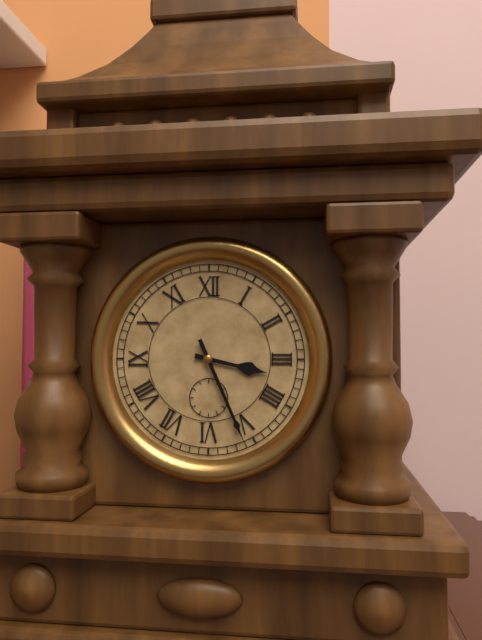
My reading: 3:26
